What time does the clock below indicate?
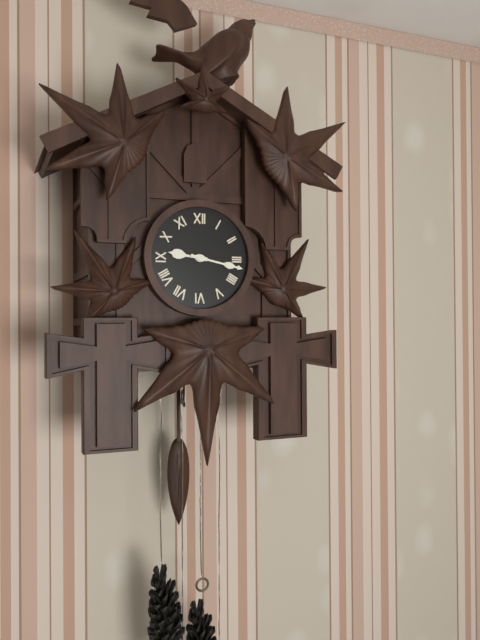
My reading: 9:17
